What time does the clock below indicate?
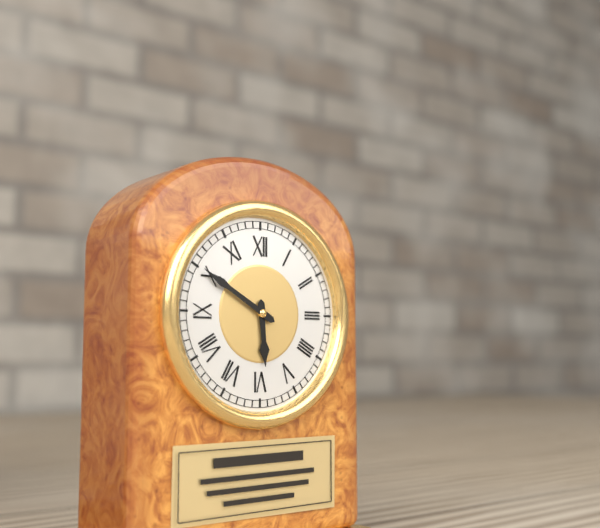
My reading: 5:50
